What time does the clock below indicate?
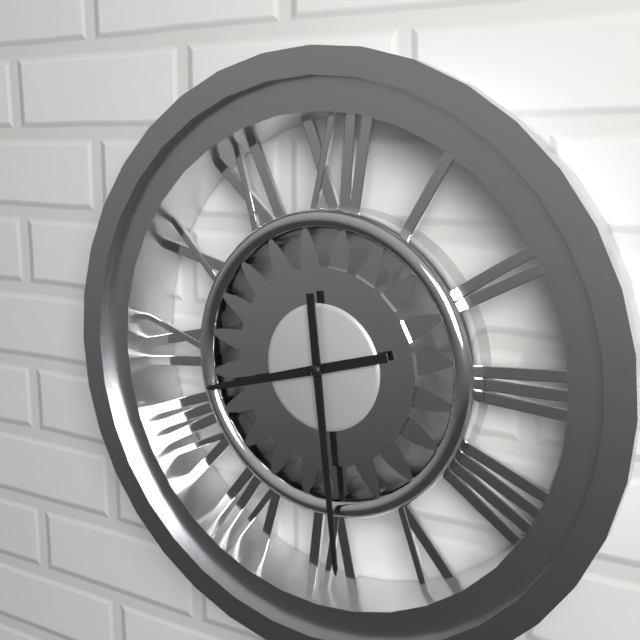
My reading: 8:29
